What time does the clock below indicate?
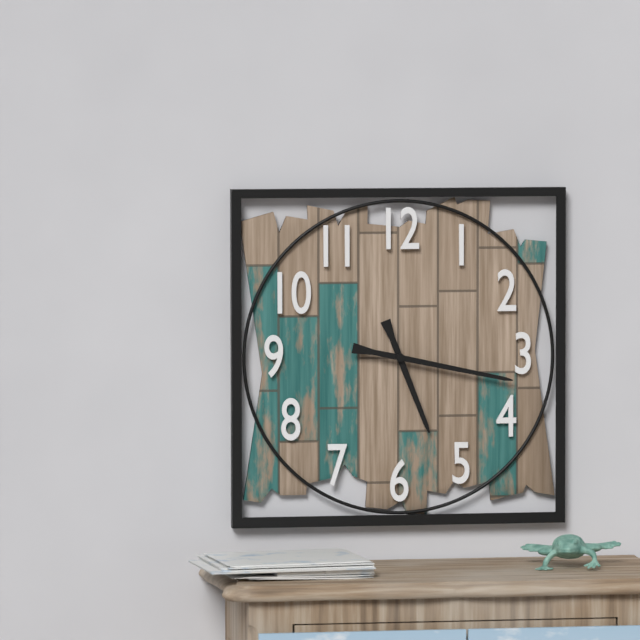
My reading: 5:17
